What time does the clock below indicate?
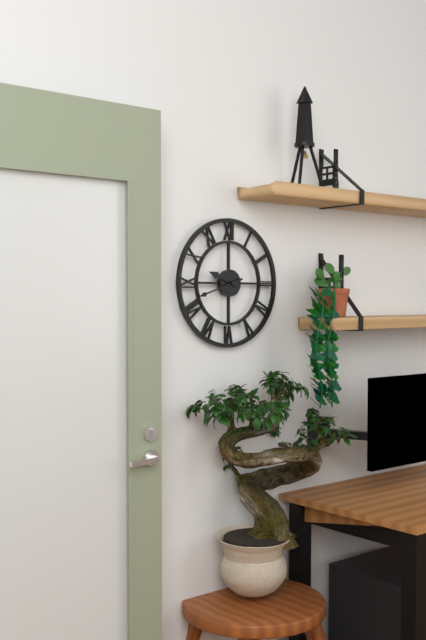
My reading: 9:42
